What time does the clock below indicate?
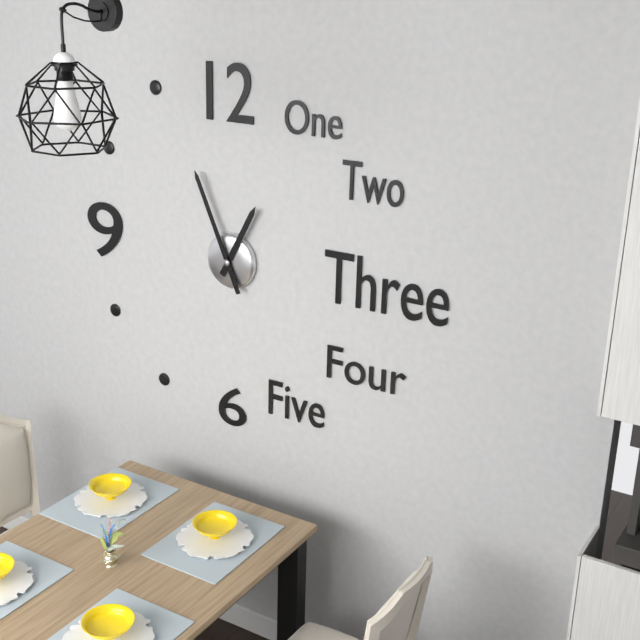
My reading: 12:56
